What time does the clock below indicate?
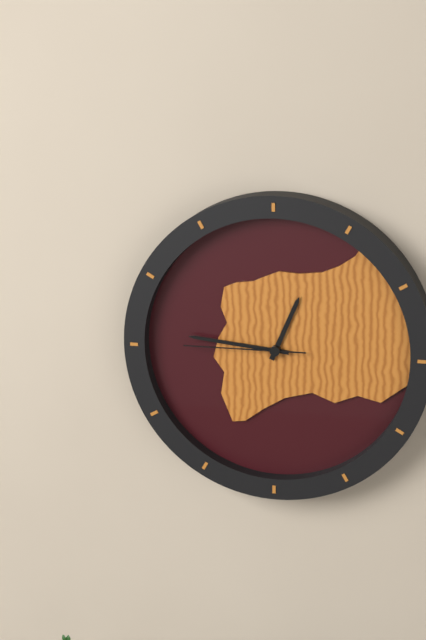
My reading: 12:46:45
